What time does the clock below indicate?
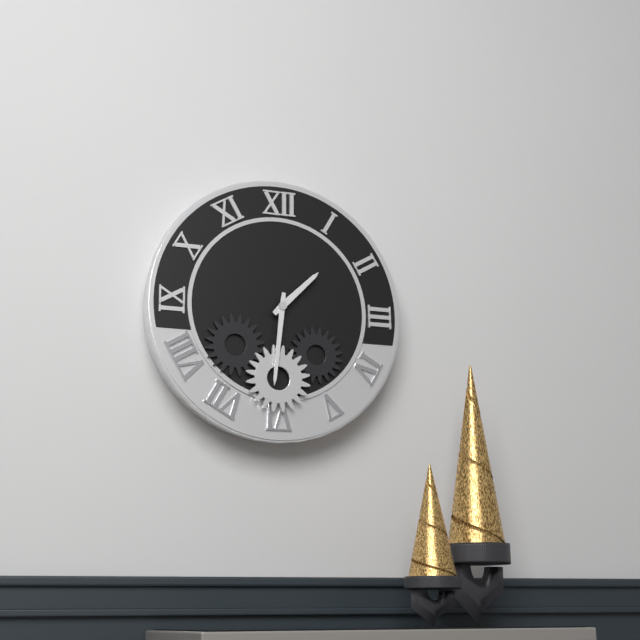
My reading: 1:31
